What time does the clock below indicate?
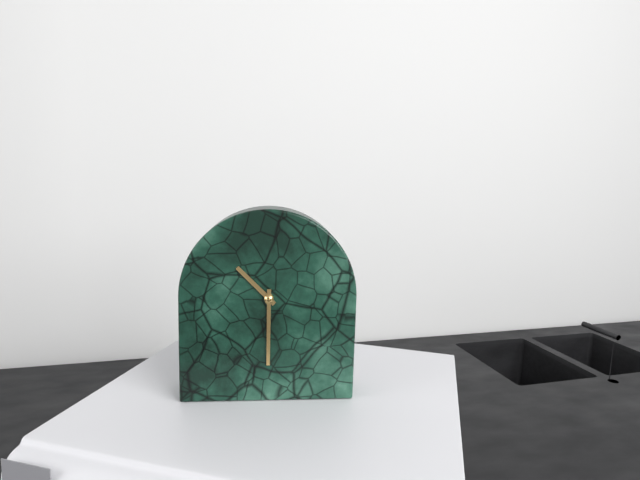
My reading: 10:30
